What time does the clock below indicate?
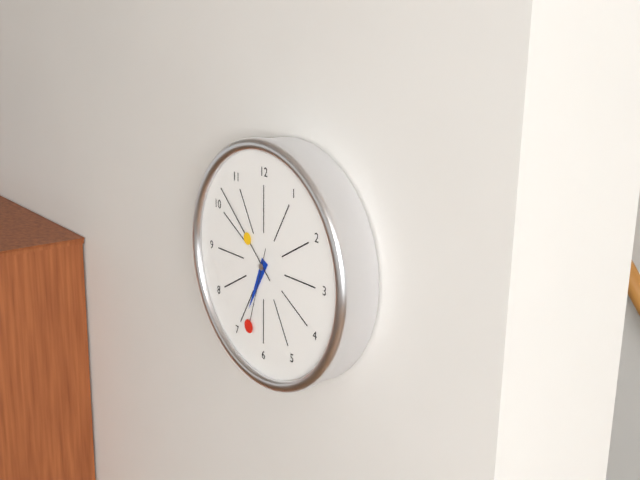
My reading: 6:52:33
